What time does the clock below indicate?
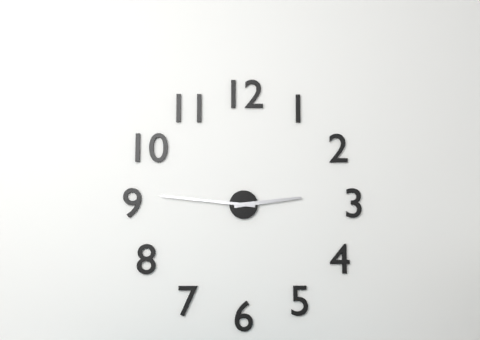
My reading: 2:46
